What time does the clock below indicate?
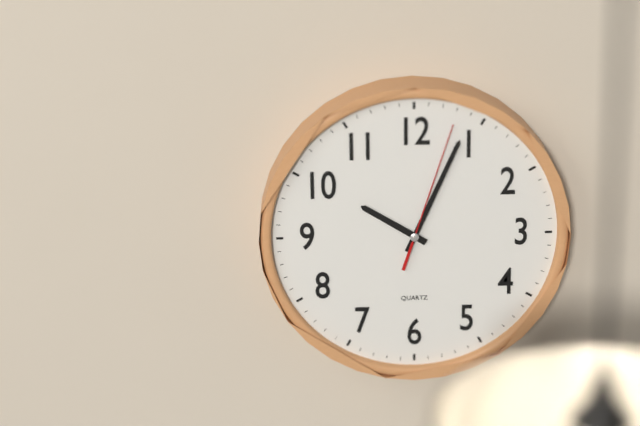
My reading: 10:04:03
